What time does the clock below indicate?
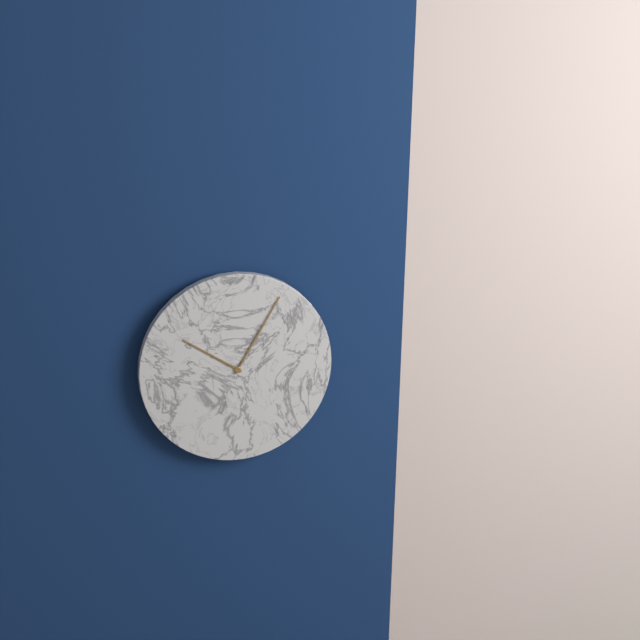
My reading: 10:05
